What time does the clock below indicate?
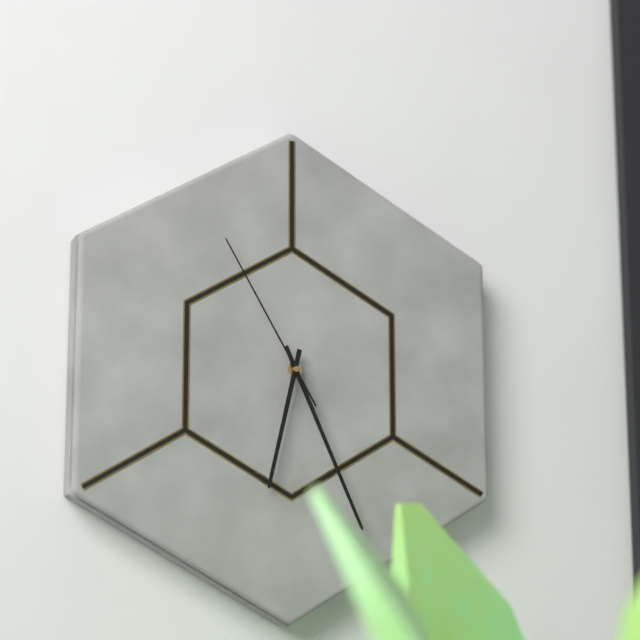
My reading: 6:26:55
